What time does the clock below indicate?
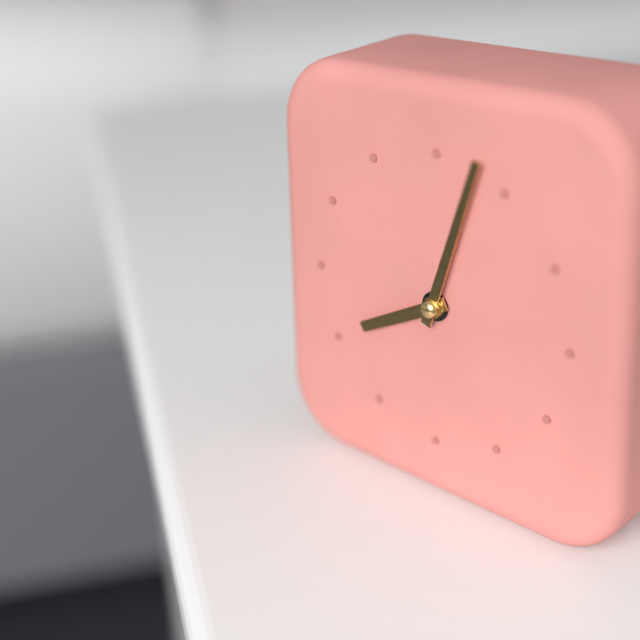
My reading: 8:03
